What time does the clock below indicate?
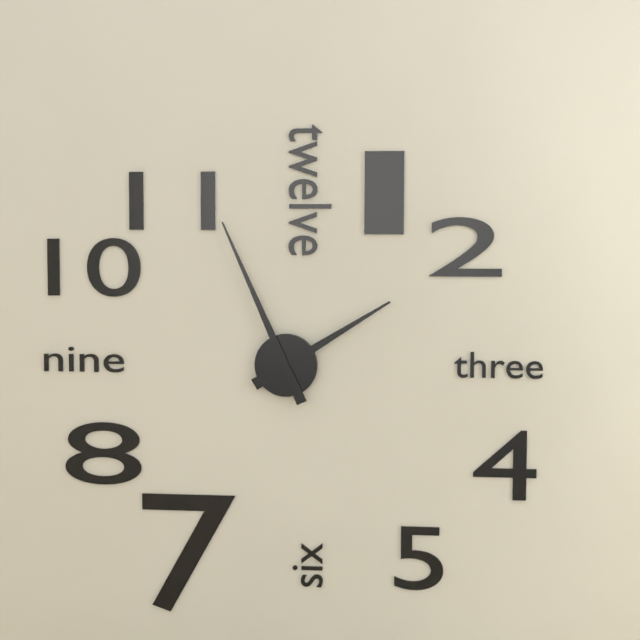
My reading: 1:56
